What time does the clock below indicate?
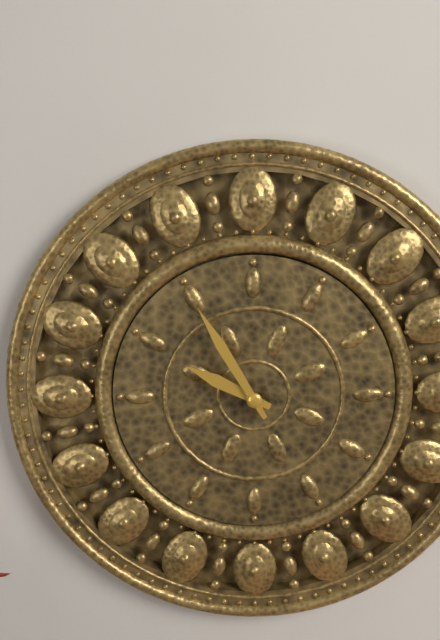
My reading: 9:55
